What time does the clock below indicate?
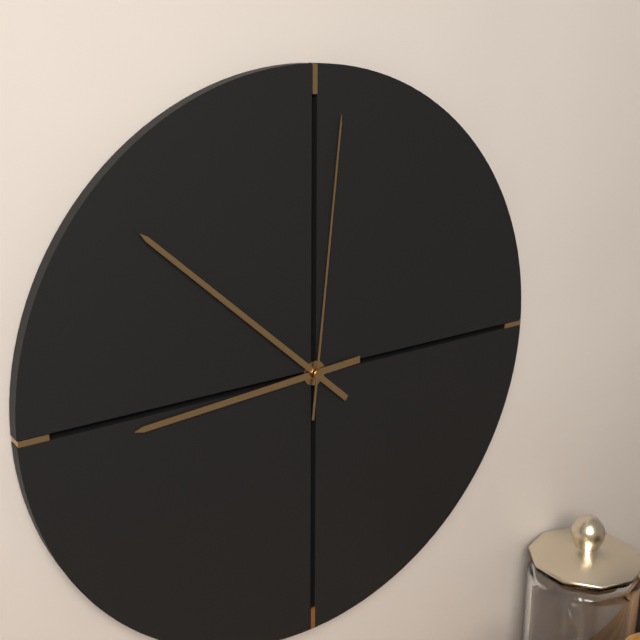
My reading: 8:52:01
